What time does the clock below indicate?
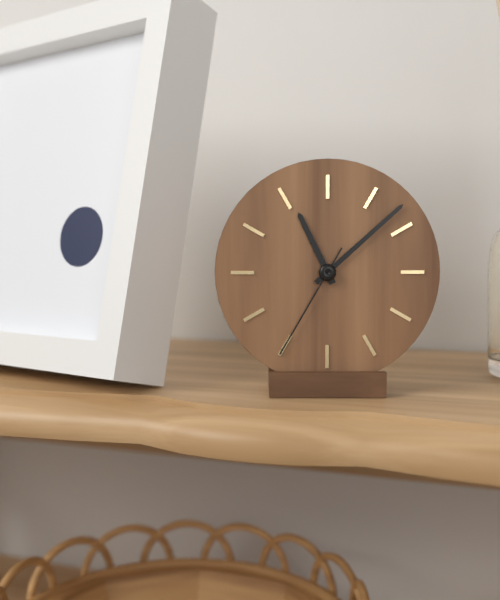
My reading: 11:08:35
